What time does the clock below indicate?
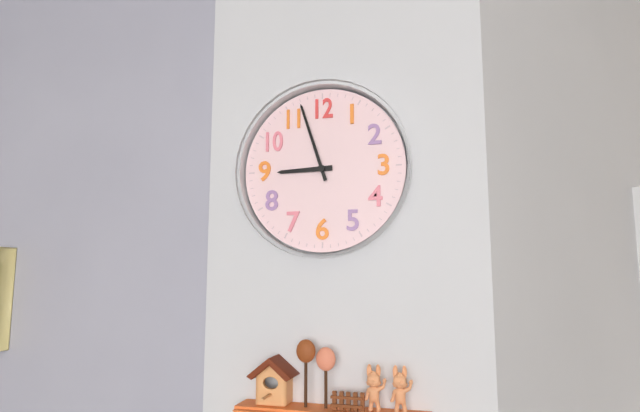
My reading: 8:57
